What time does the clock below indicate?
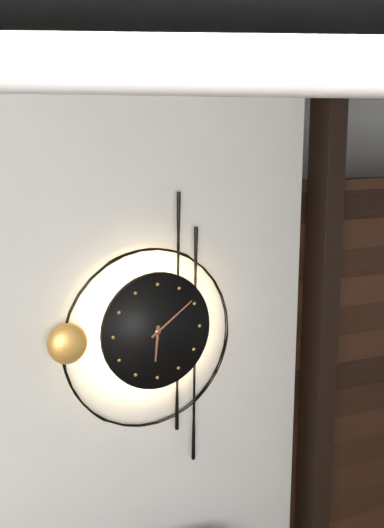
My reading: 6:09
